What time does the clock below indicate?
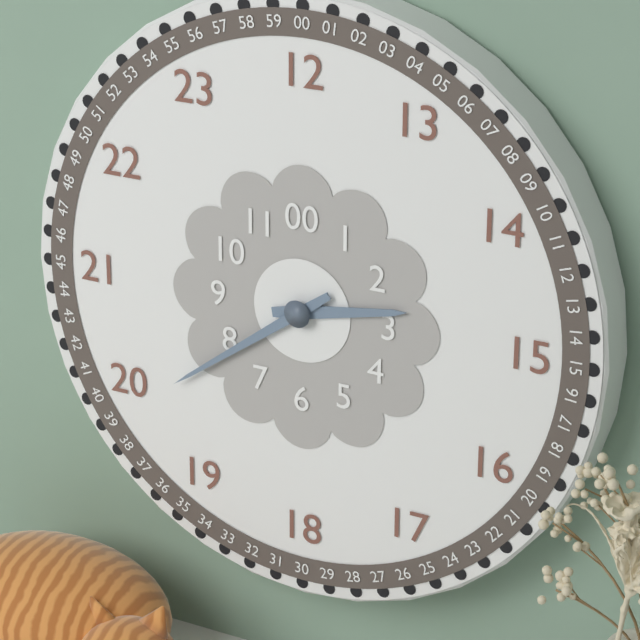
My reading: 2:39
